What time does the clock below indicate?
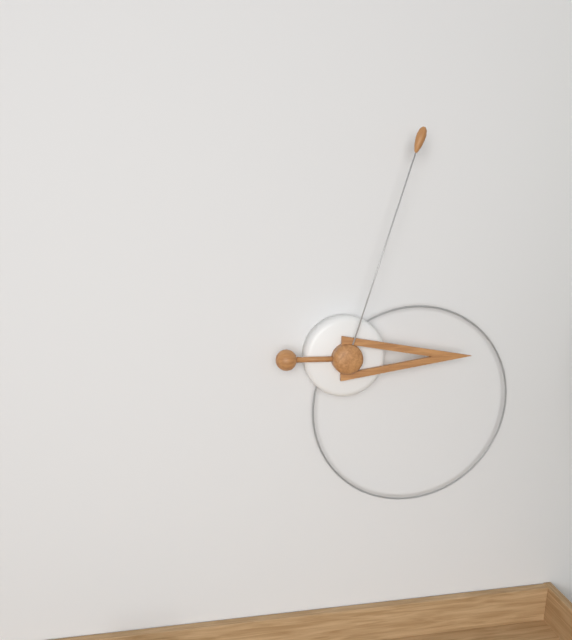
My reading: 3:03
